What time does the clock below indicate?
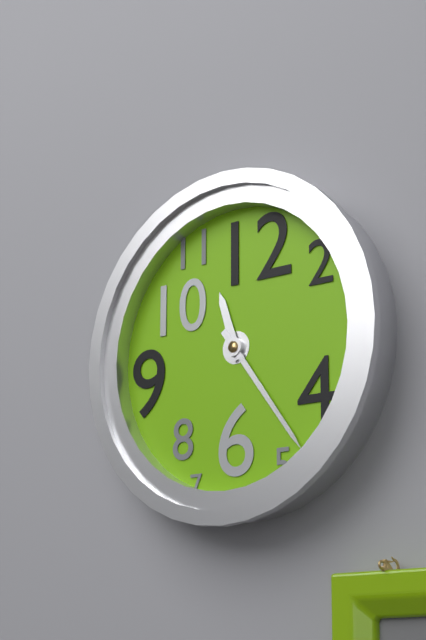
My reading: 11:24
